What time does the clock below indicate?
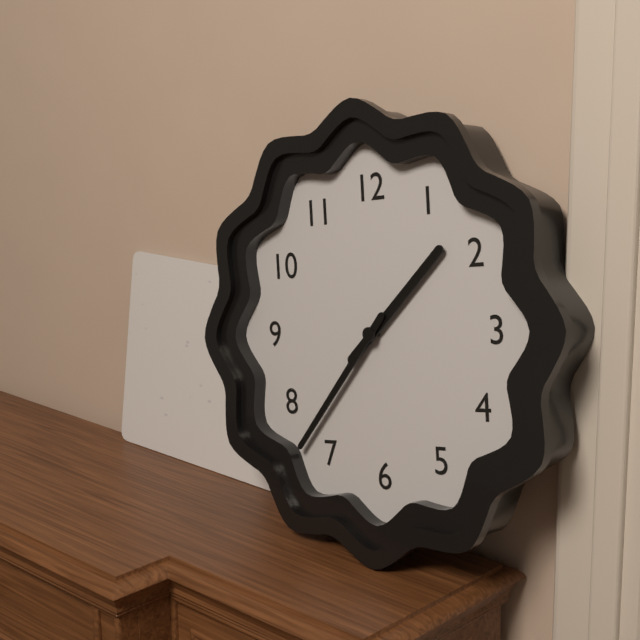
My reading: 1:37
